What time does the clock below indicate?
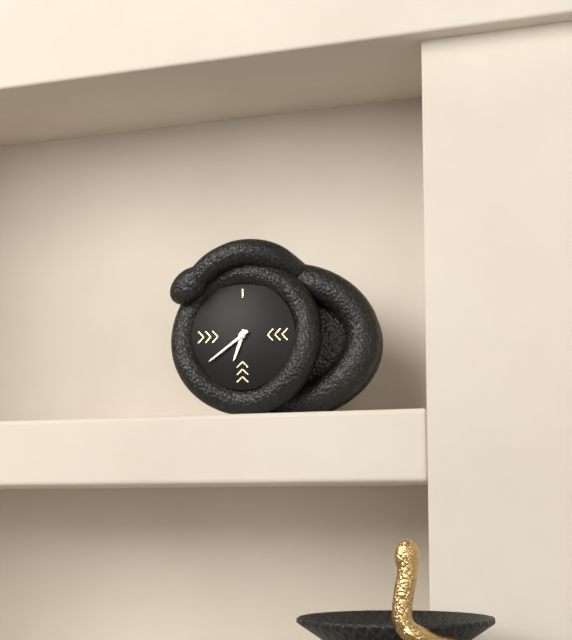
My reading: 6:39
